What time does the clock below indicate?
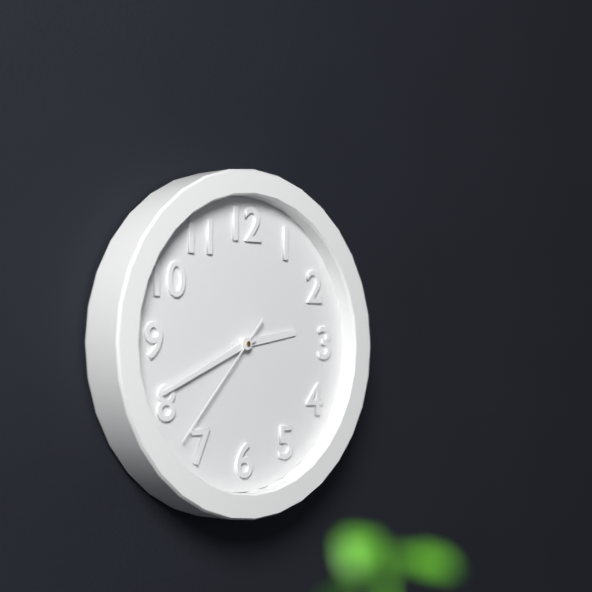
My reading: 2:41:37
